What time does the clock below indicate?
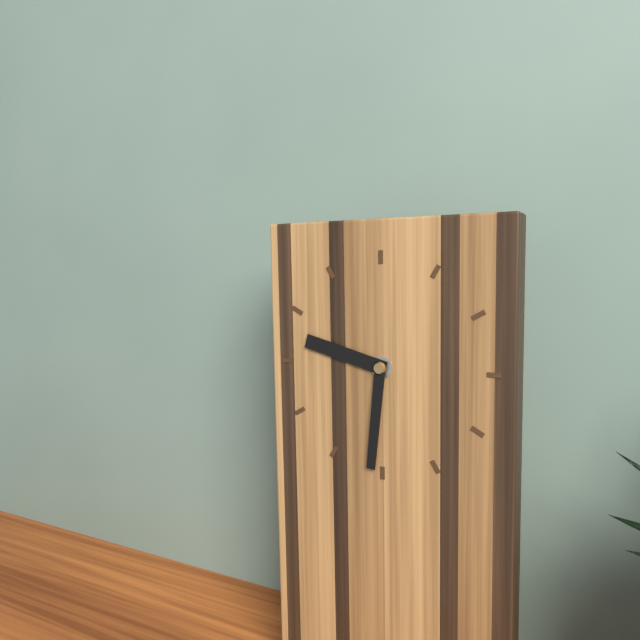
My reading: 9:31
